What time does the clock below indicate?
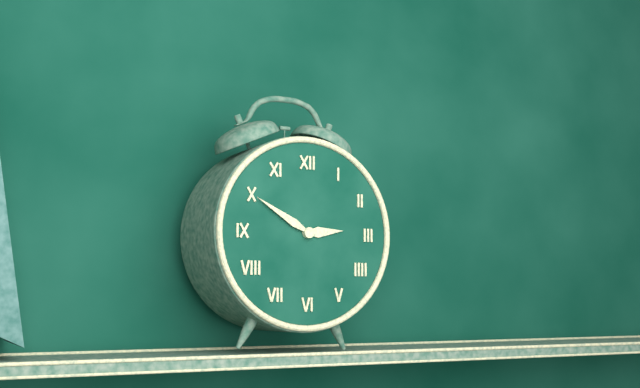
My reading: 2:50
